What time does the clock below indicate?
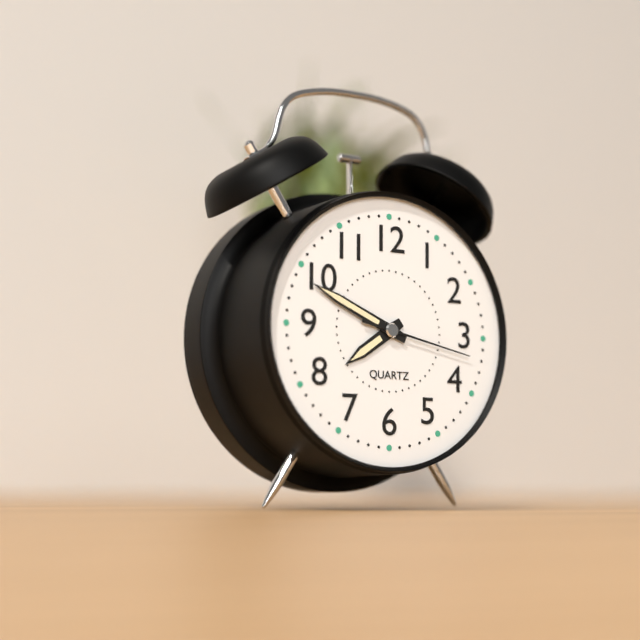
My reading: 7:49:17
